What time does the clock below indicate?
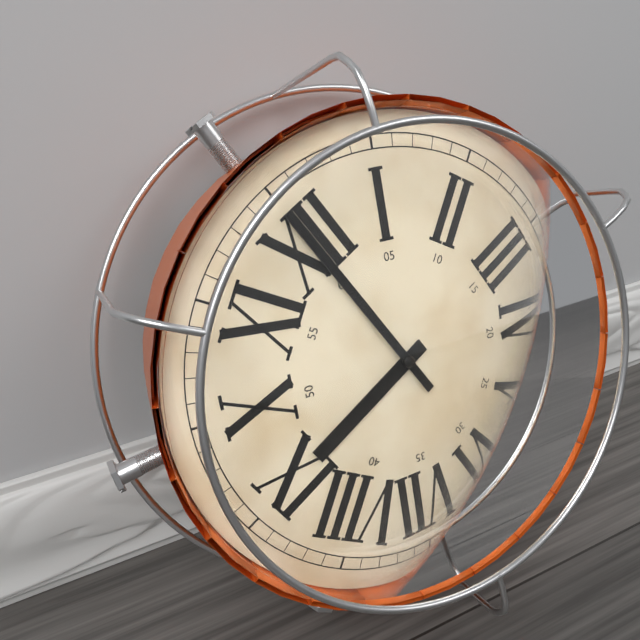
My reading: 9:00
